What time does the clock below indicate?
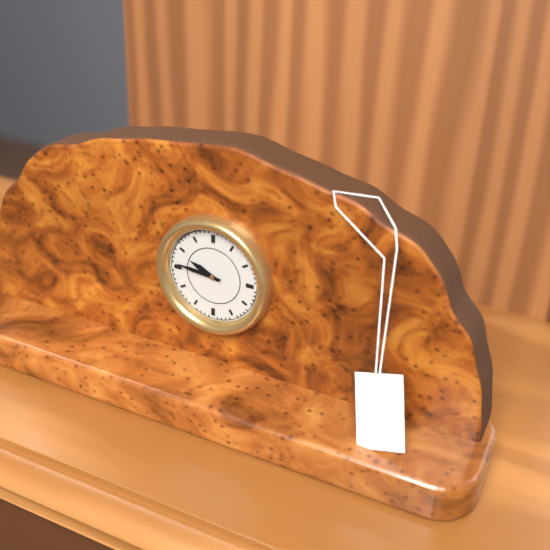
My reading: 9:46
